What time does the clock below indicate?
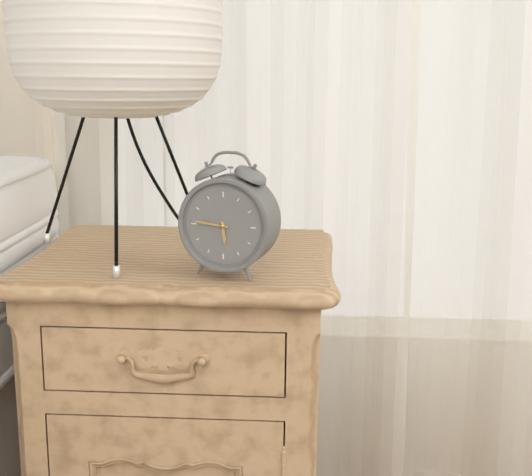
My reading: 5:46
